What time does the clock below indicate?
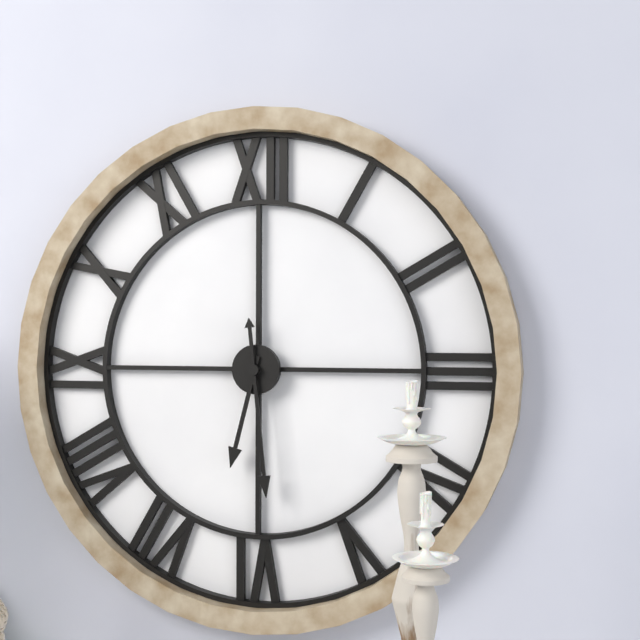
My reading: 6:29
